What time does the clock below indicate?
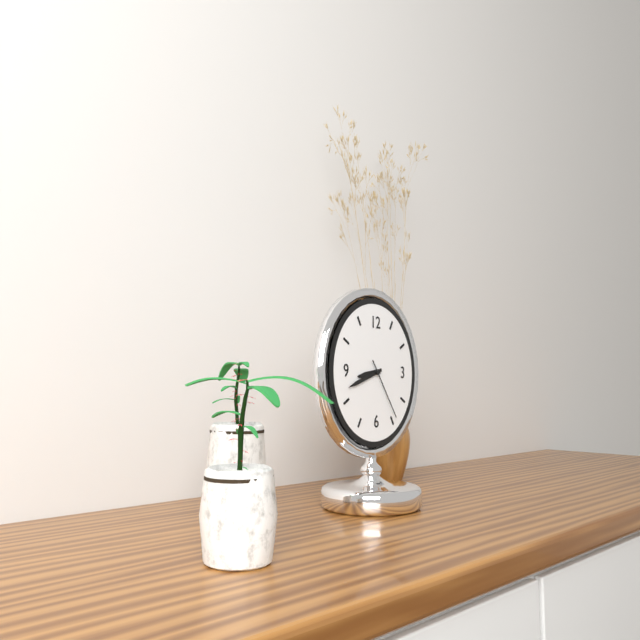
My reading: 8:42:24
